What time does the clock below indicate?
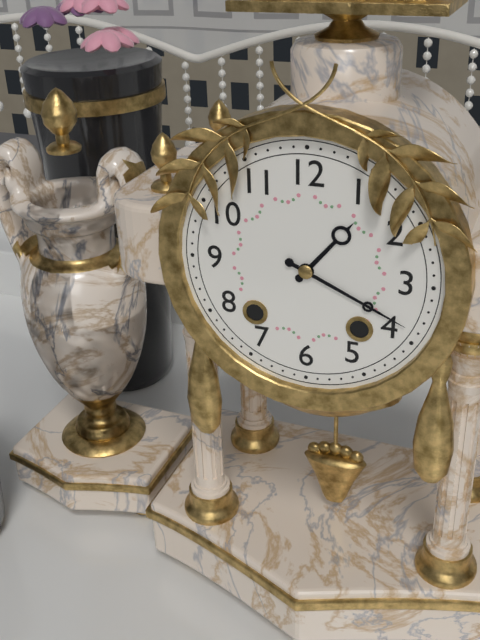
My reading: 1:19
